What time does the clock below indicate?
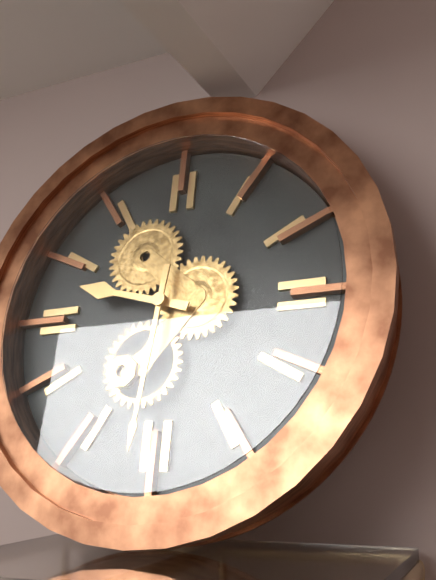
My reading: 9:31
